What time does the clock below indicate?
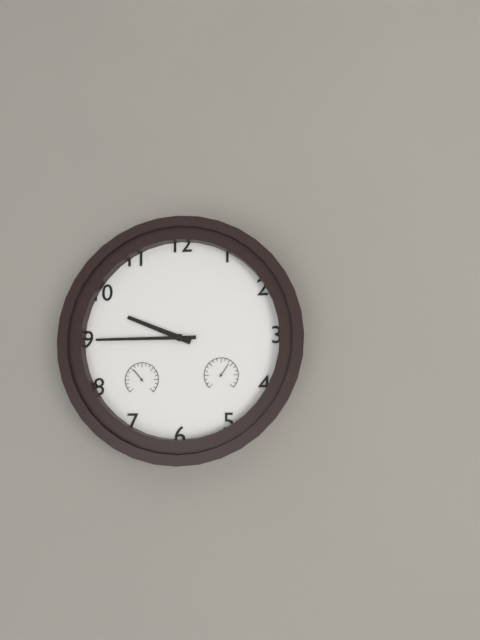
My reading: 9:45
